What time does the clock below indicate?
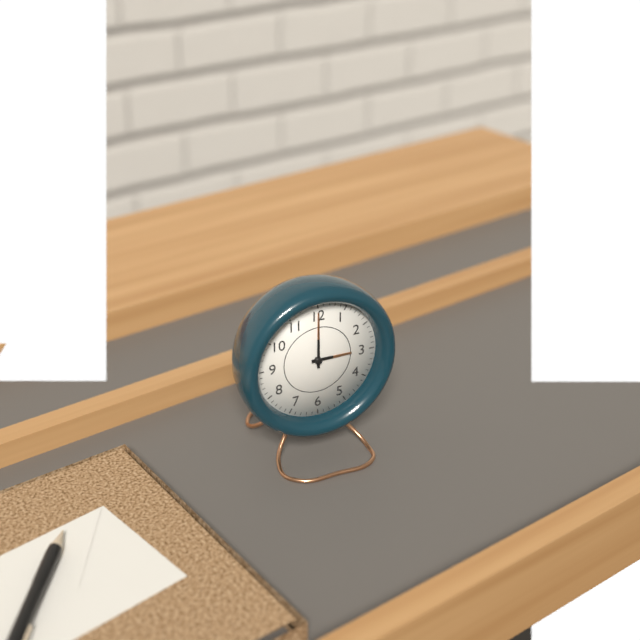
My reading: 3:00
